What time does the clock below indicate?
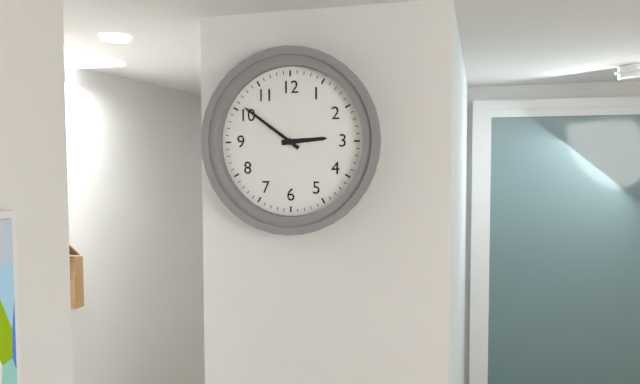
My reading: 2:51
